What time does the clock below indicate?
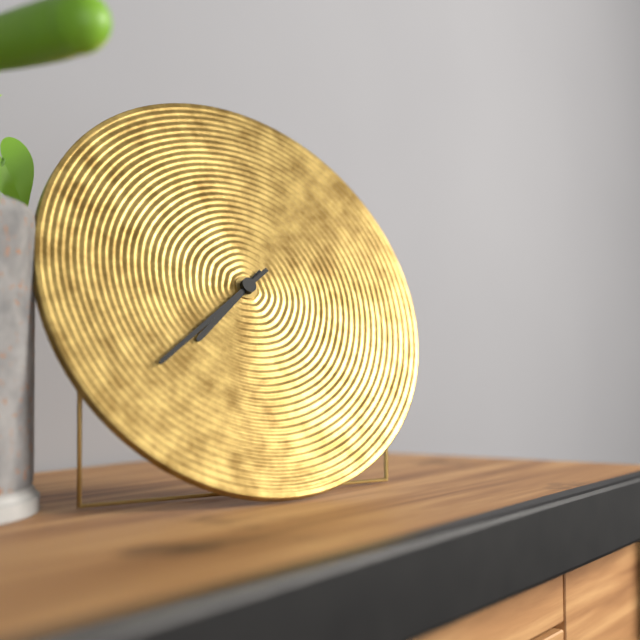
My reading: 7:39
